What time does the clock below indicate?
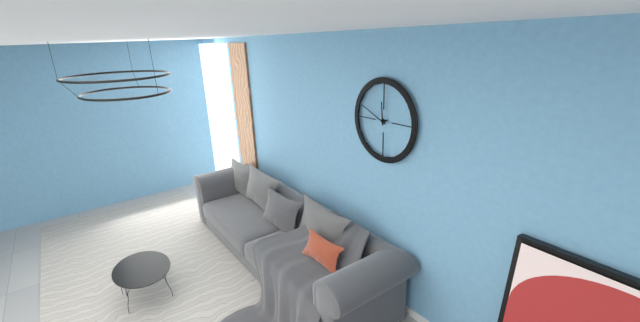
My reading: 11:49
